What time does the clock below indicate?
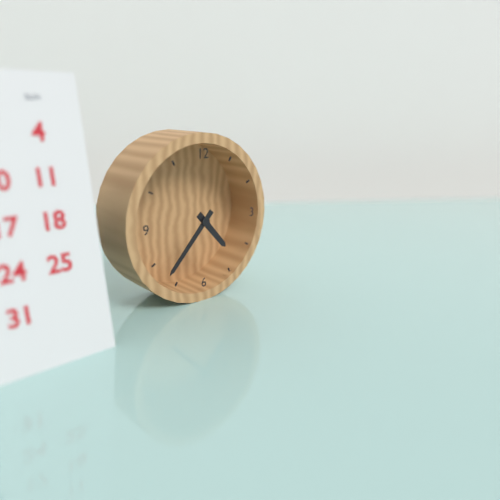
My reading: 4:37
